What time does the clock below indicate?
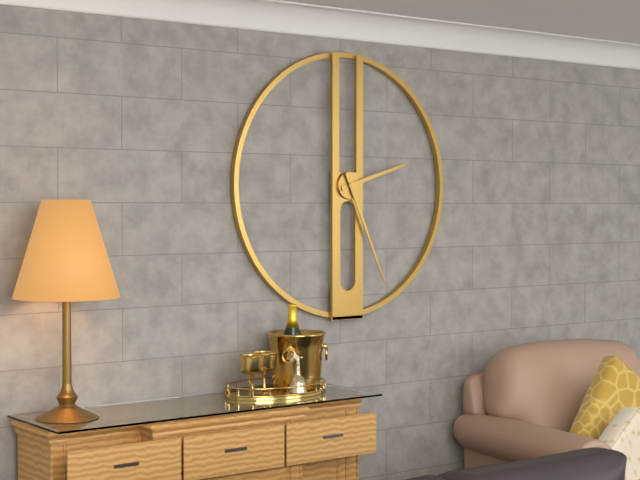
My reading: 2:26
